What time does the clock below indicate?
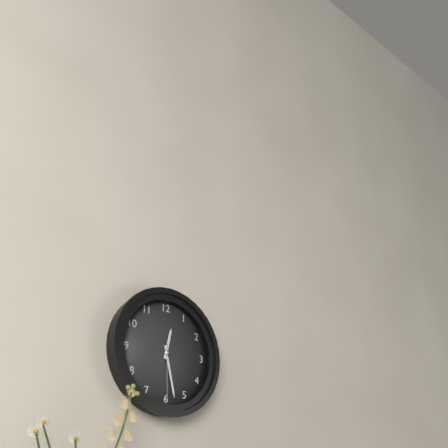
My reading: 12:28:30
